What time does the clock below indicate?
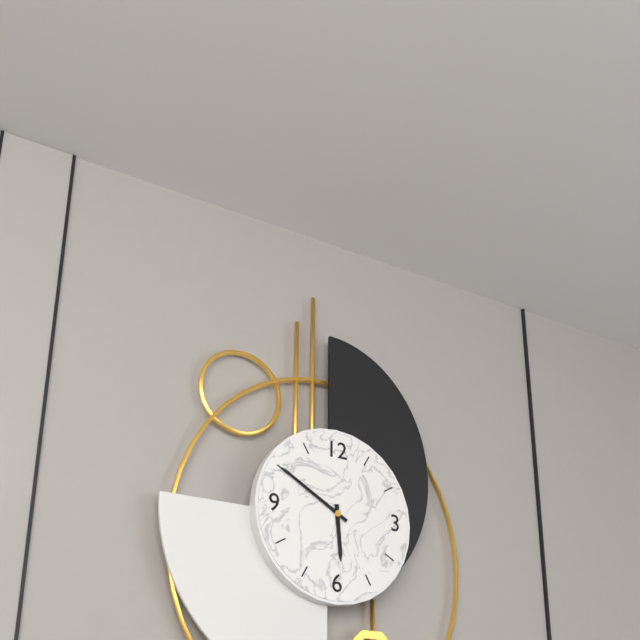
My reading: 5:50
